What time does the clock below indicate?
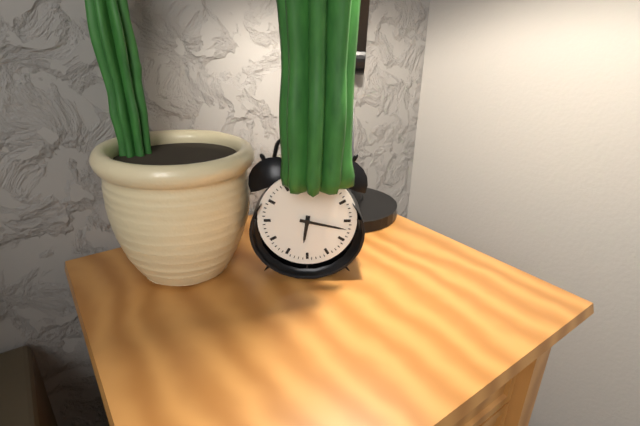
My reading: 6:17
